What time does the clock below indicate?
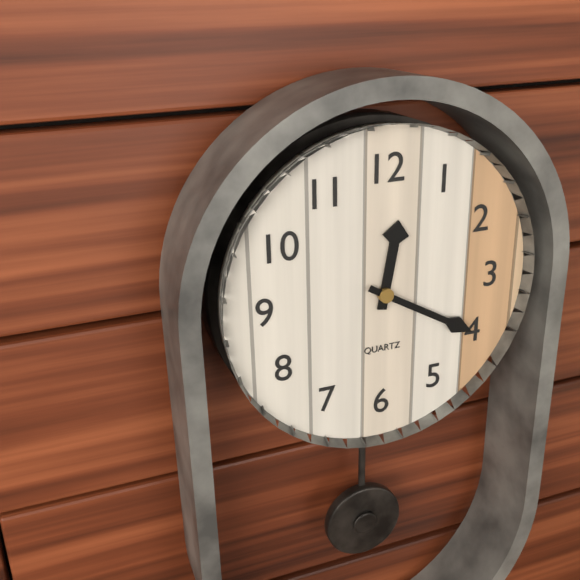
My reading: 12:20
